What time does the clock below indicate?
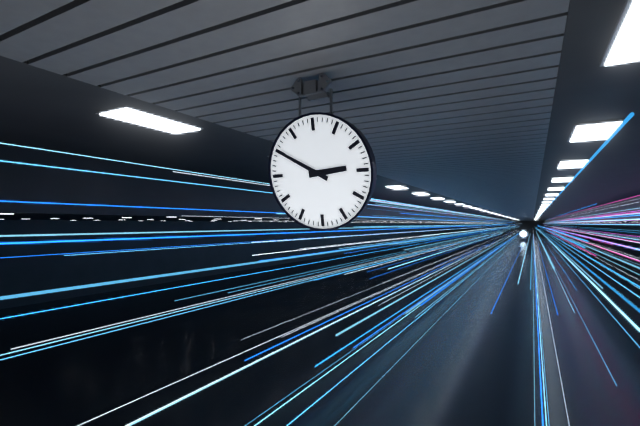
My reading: 2:50
